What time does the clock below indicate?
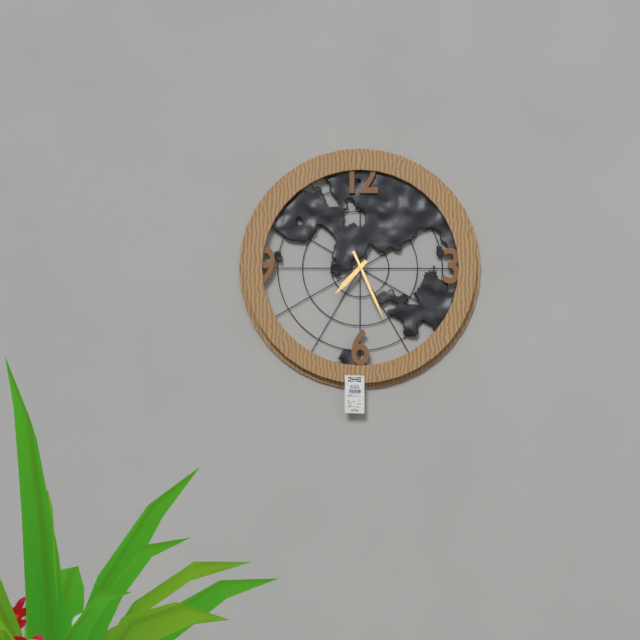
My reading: 7:26
